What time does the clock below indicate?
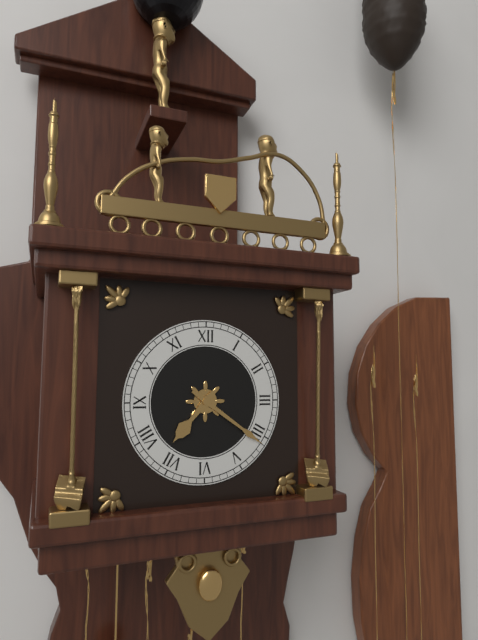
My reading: 7:21
